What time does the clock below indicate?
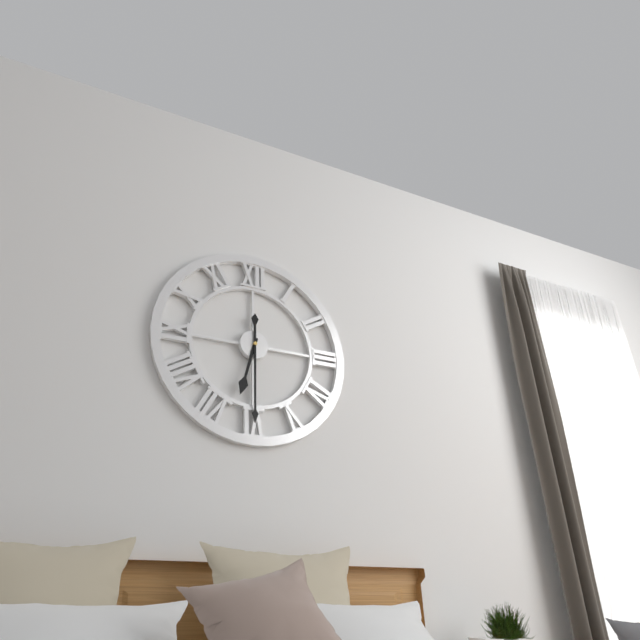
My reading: 6:30
